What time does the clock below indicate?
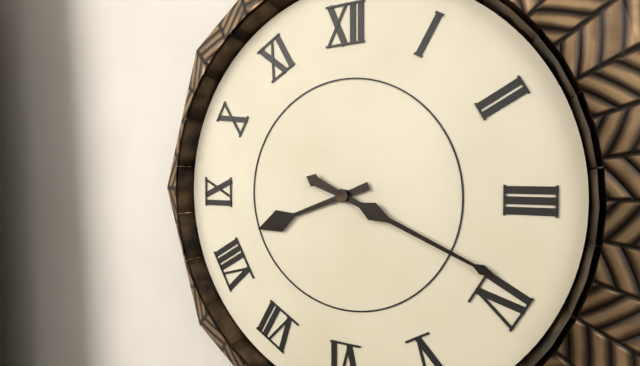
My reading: 8:19
